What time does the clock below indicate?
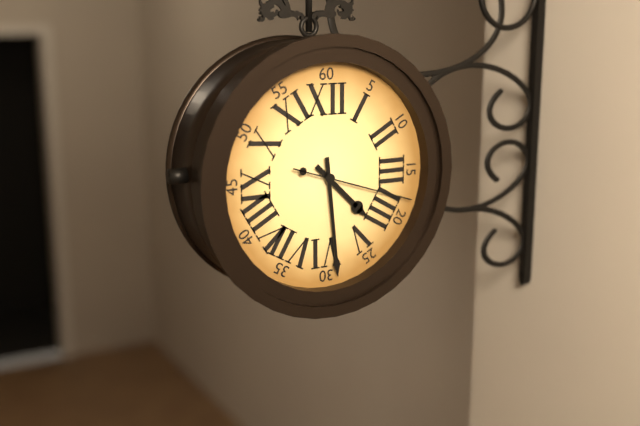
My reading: 4:29:18
